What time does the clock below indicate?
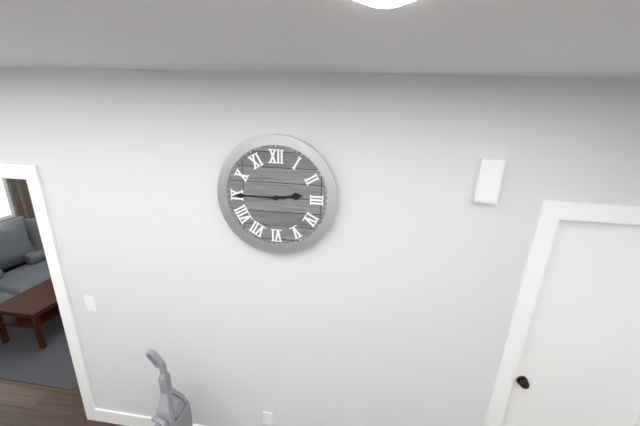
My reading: 2:45
